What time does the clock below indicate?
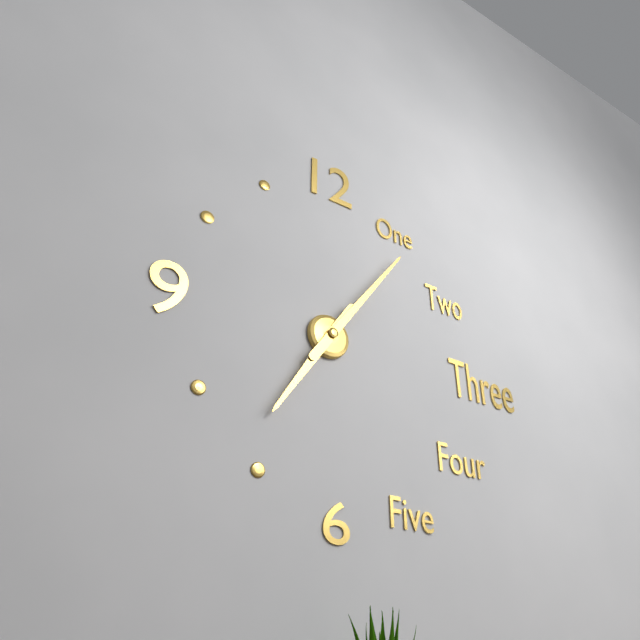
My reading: 7:06
